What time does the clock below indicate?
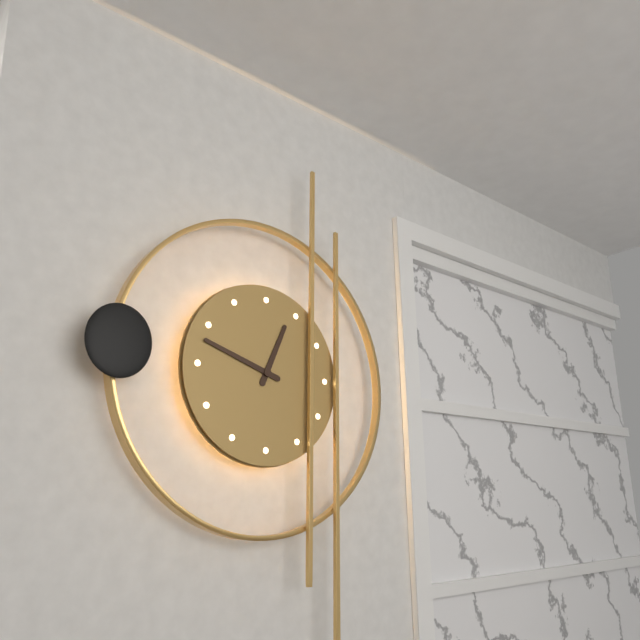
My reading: 12:48
